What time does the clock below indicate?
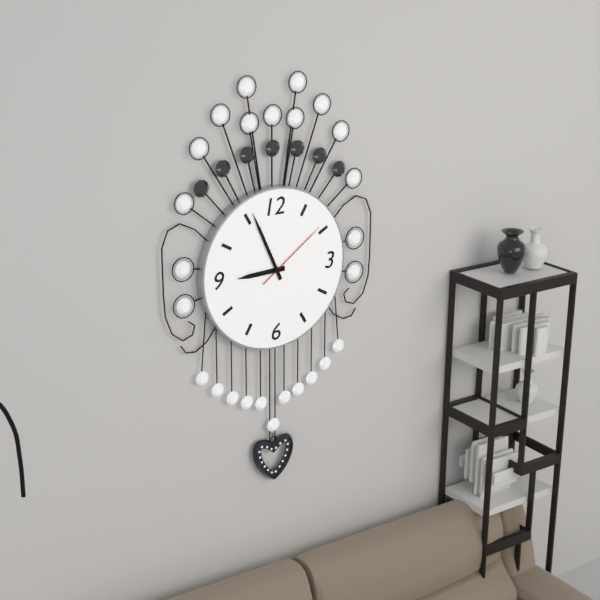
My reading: 8:56:09
